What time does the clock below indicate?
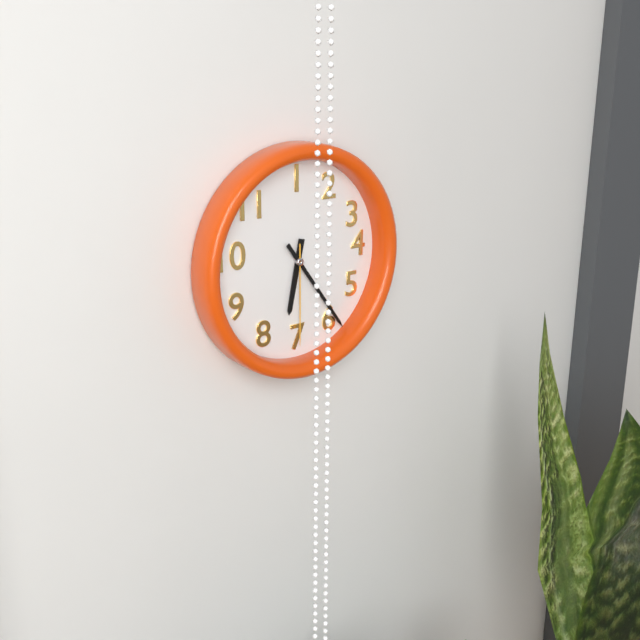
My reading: 6:24:30
